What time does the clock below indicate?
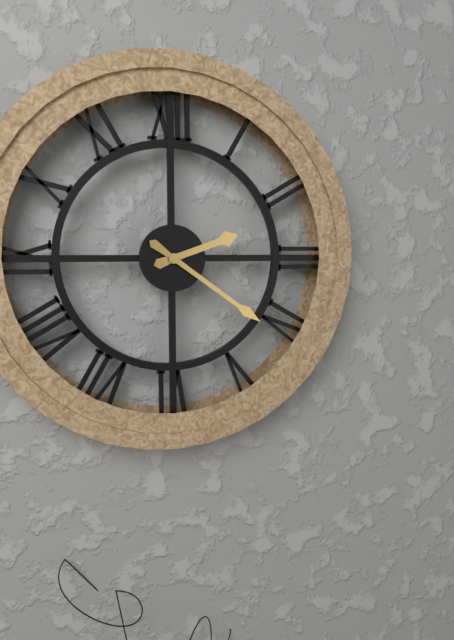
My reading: 2:21
